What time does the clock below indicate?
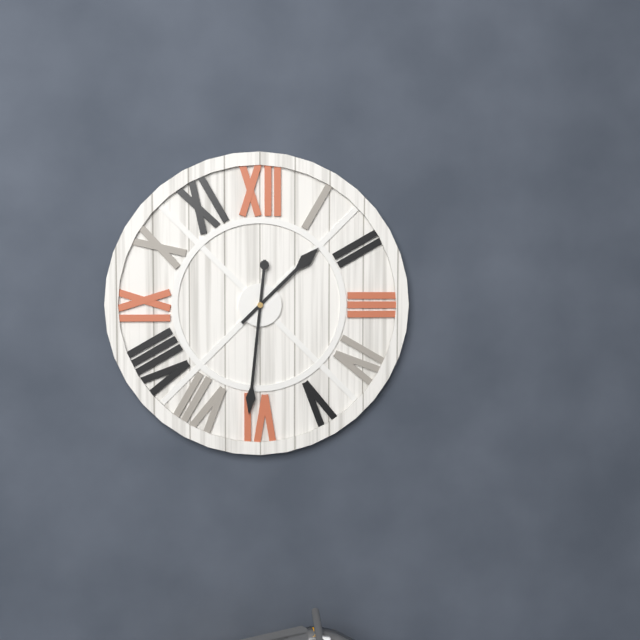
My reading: 1:31
